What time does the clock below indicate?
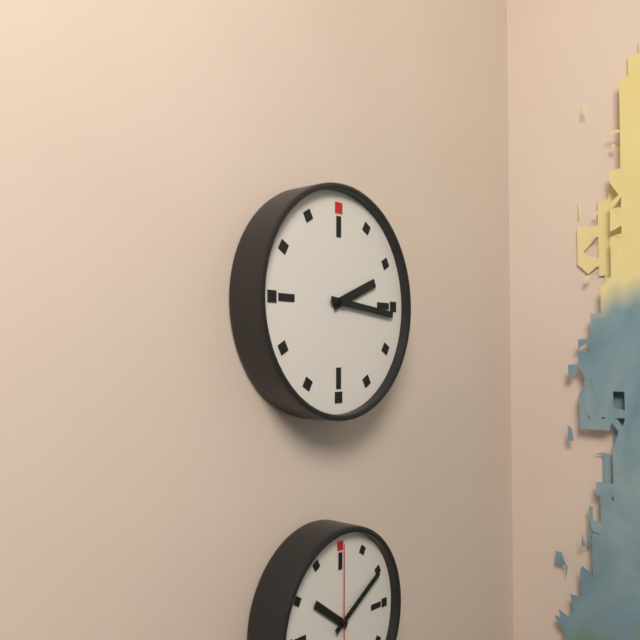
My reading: 2:16
